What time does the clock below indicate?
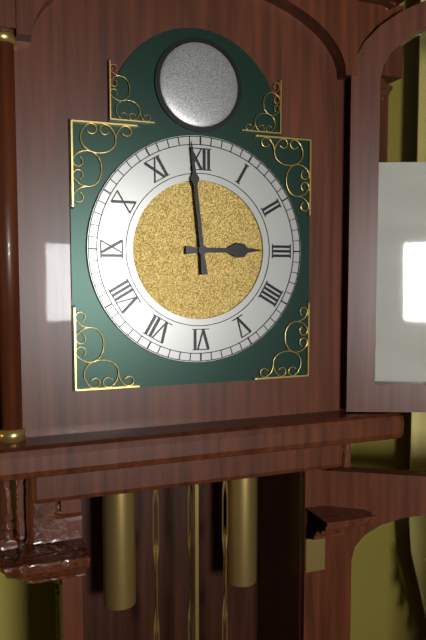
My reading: 2:59
